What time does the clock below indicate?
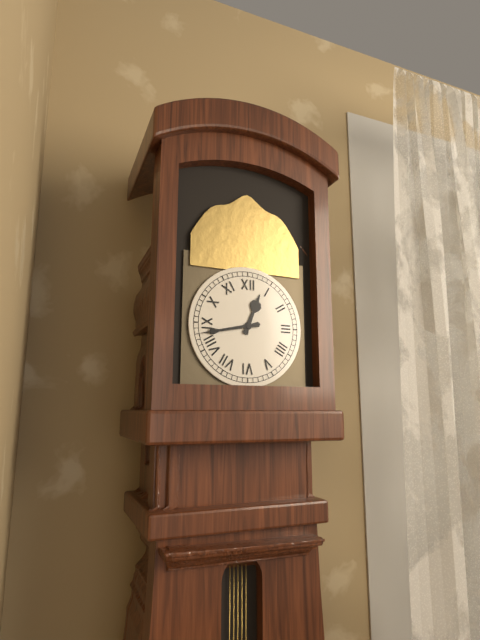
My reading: 12:43
